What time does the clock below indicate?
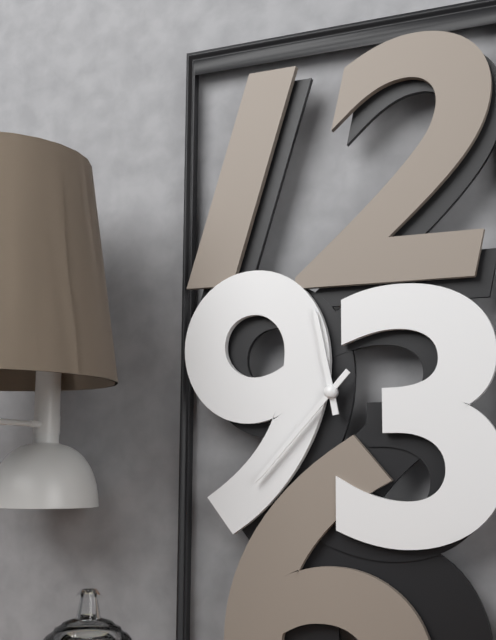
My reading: 11:37
